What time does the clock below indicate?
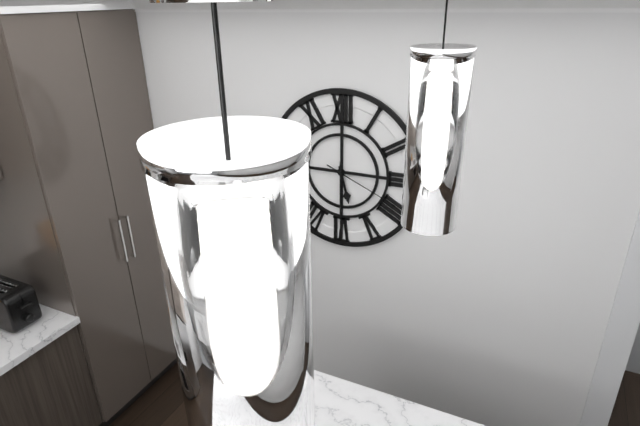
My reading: 5:30:19
